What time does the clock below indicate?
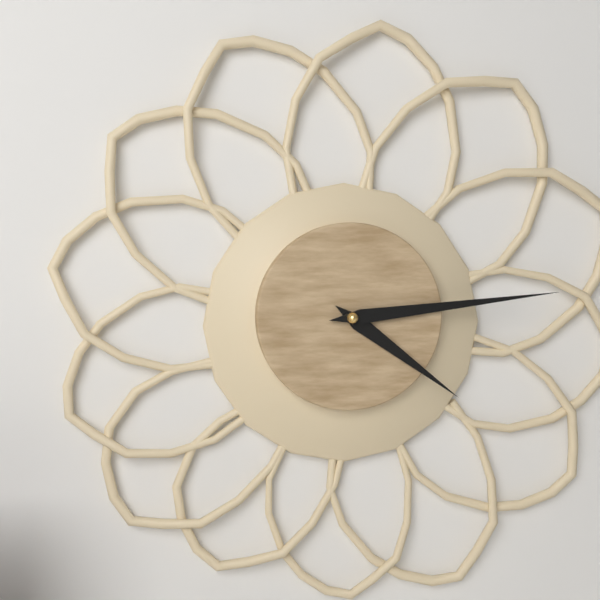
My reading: 4:14
